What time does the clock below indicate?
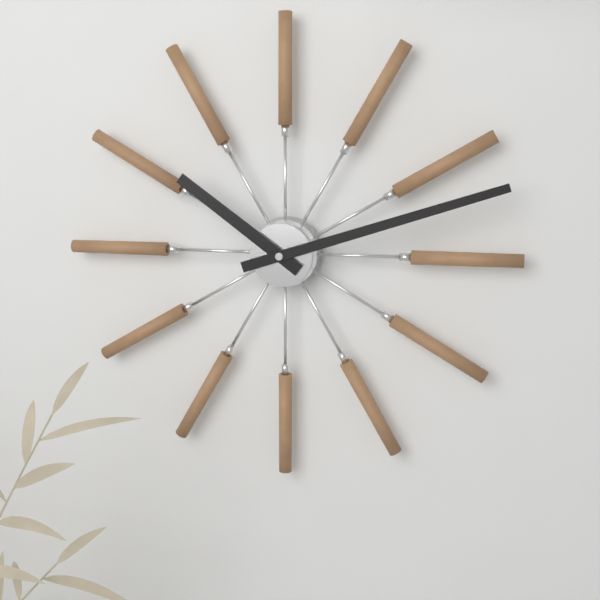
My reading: 10:12
